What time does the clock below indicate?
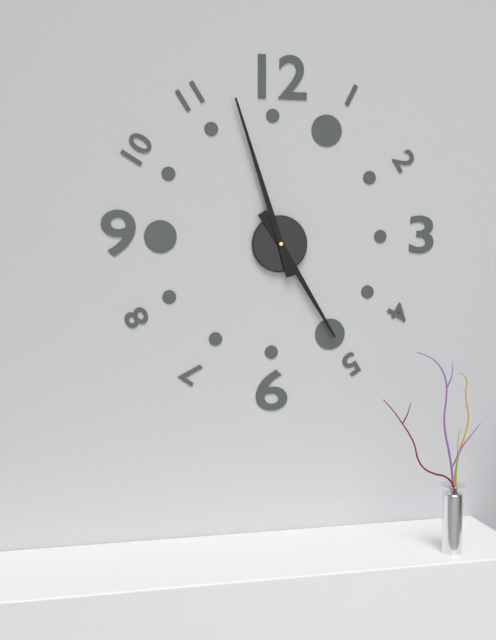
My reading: 4:57
